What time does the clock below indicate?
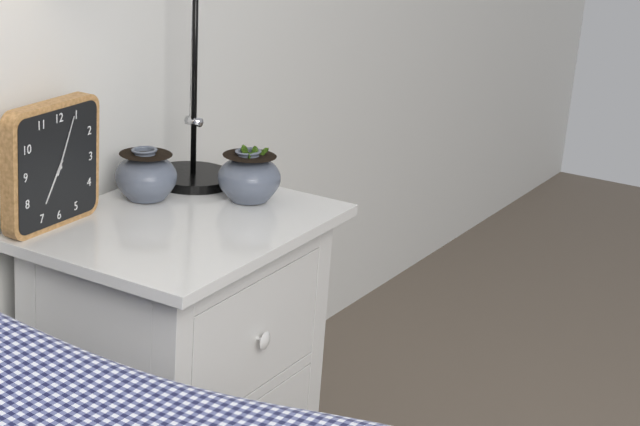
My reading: 7:04
